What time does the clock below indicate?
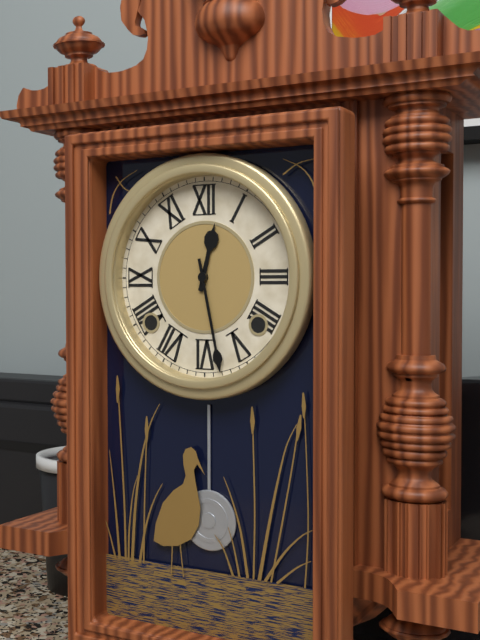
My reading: 12:28
